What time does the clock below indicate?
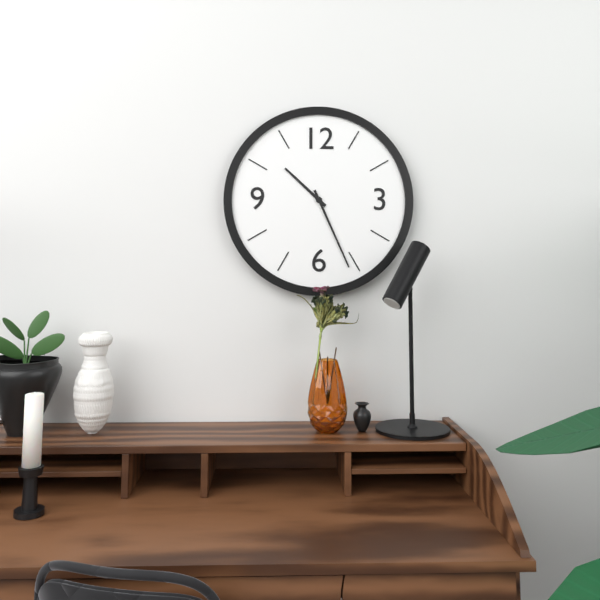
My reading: 10:26
